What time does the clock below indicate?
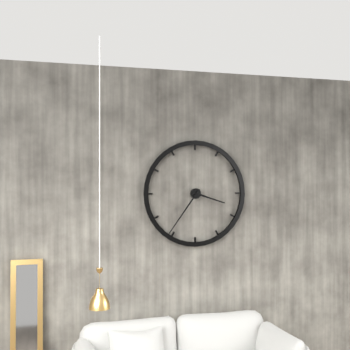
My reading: 3:36
